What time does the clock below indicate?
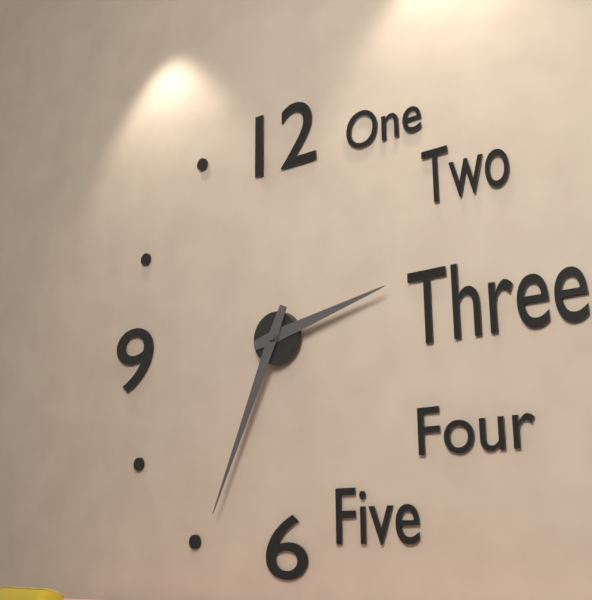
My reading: 2:34
